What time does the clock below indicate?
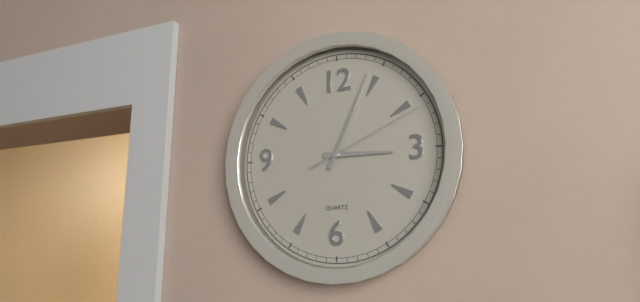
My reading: 3:04:11
